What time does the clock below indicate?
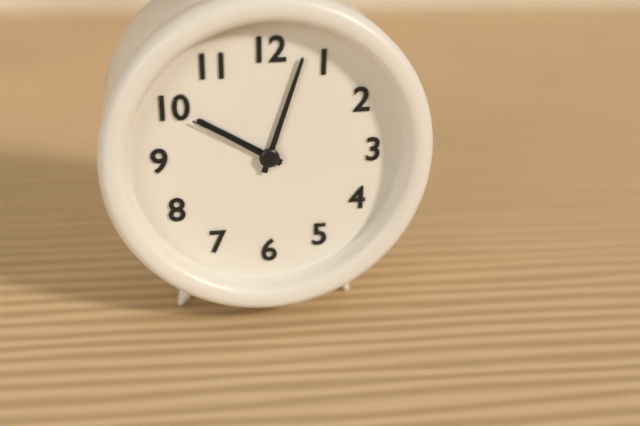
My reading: 10:03:50
